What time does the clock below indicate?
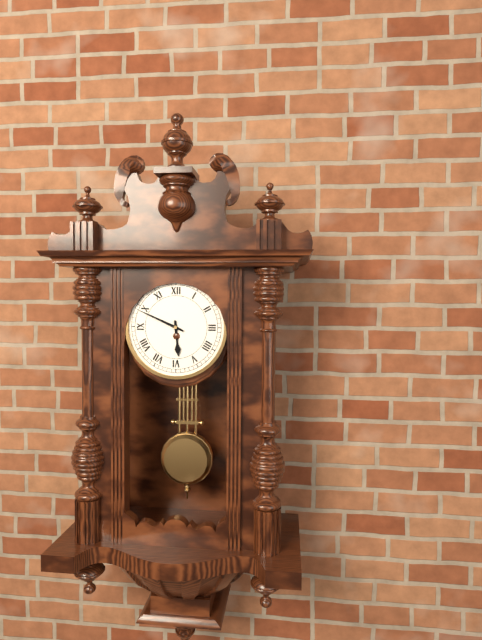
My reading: 5:49
